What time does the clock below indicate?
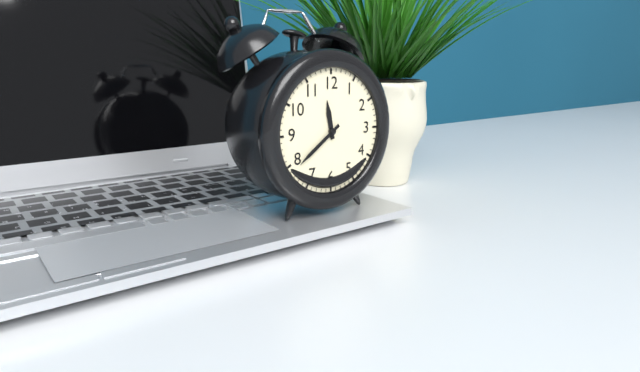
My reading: 11:39
